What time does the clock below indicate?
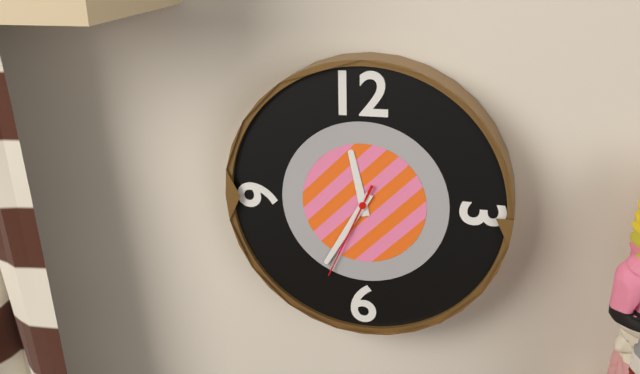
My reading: 11:35:34
